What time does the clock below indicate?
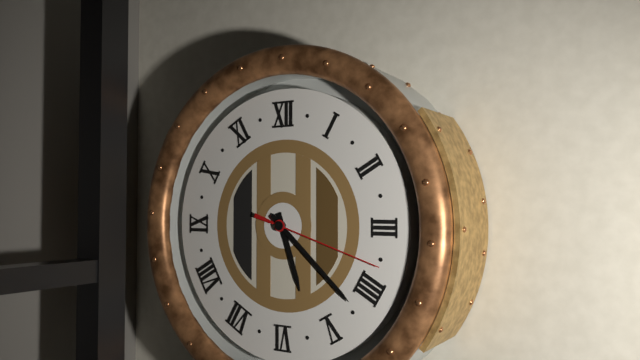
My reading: 5:22:18
